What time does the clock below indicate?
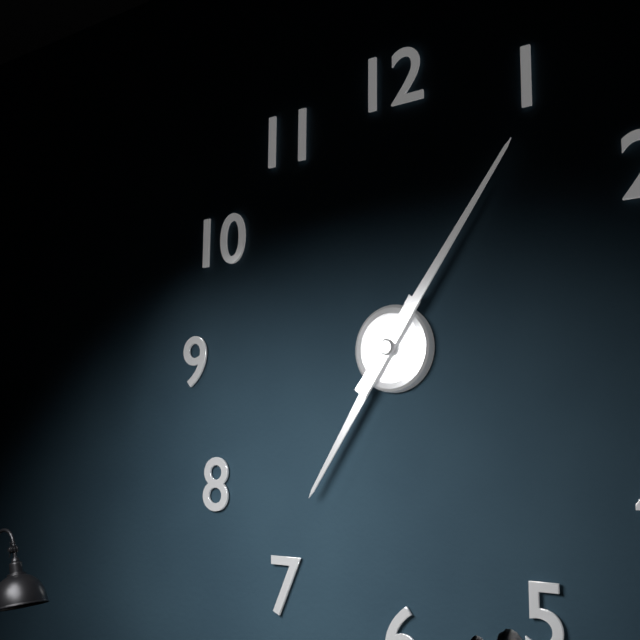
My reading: 7:06
